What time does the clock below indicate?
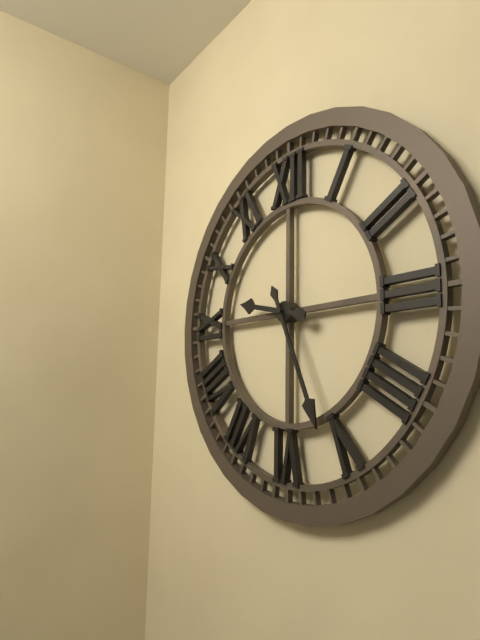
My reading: 9:26
